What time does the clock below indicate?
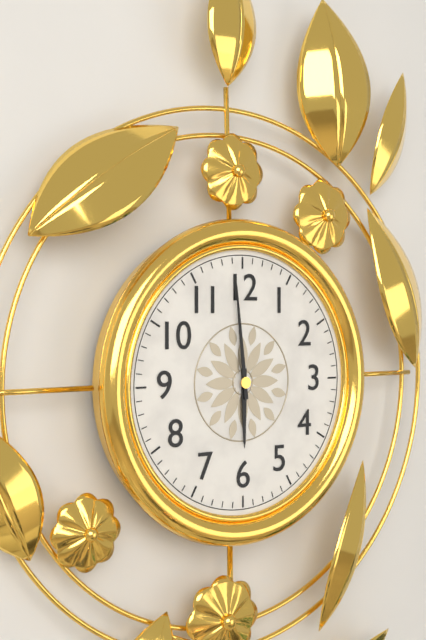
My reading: 5:59
